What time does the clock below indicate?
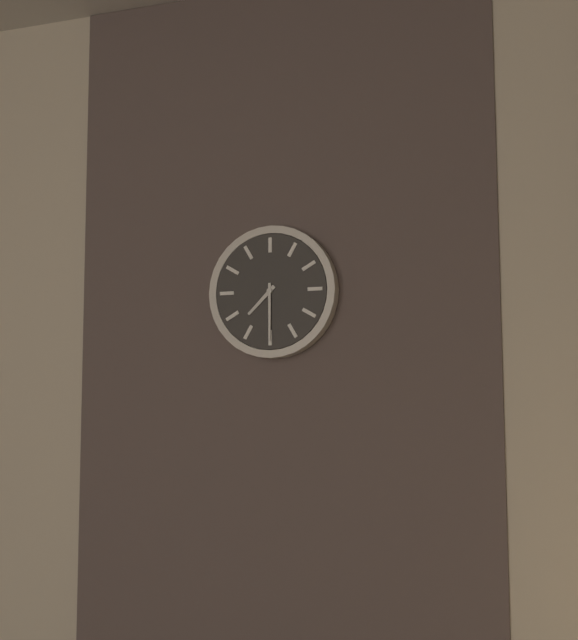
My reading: 7:30
